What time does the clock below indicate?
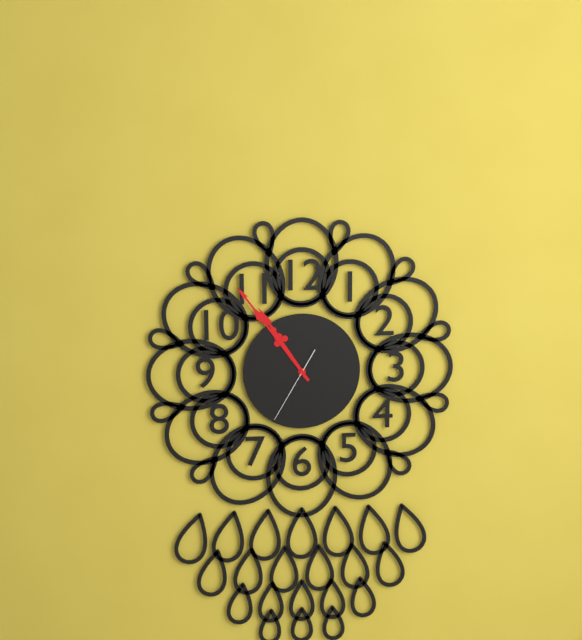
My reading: 10:54:35
